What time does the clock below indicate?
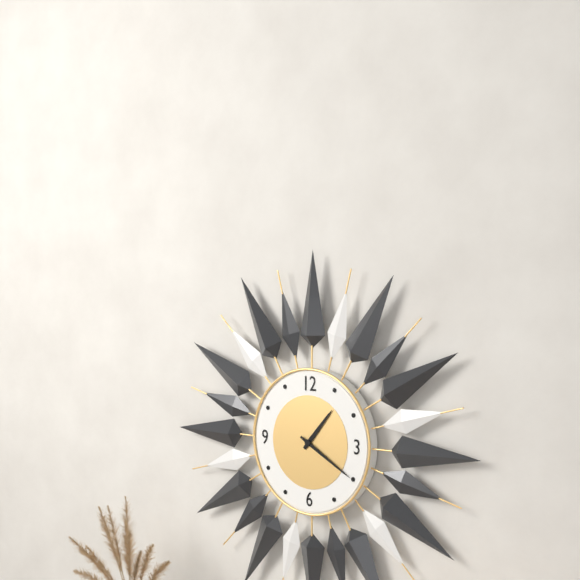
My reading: 1:20
